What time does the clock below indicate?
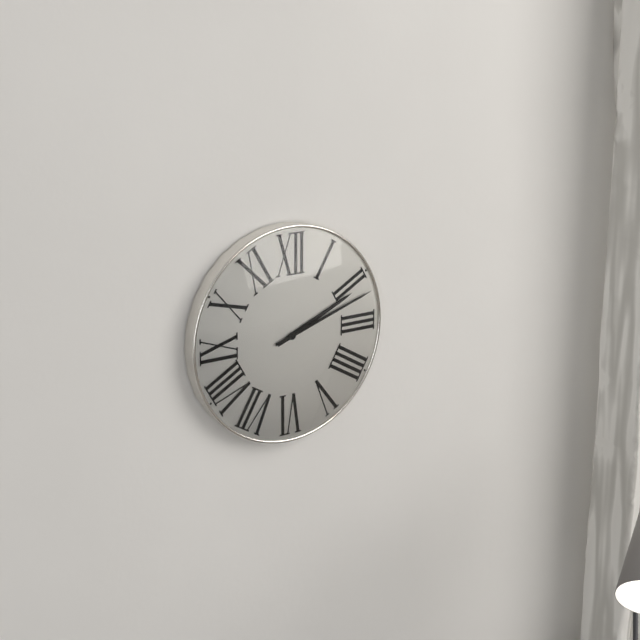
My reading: 2:12
